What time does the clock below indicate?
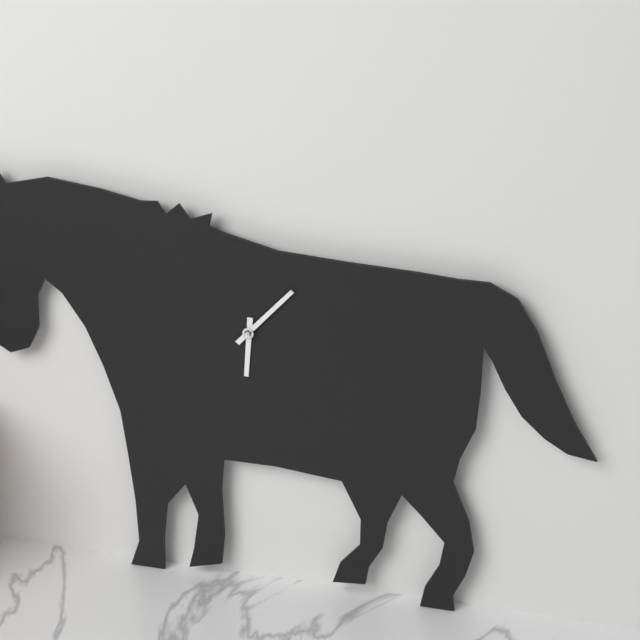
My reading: 6:07
